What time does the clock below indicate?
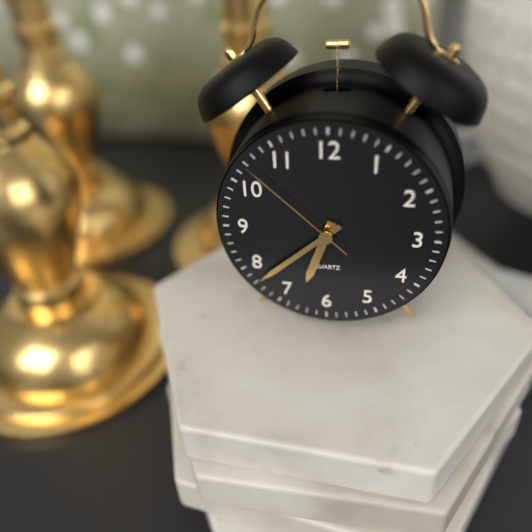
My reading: 6:38:52
